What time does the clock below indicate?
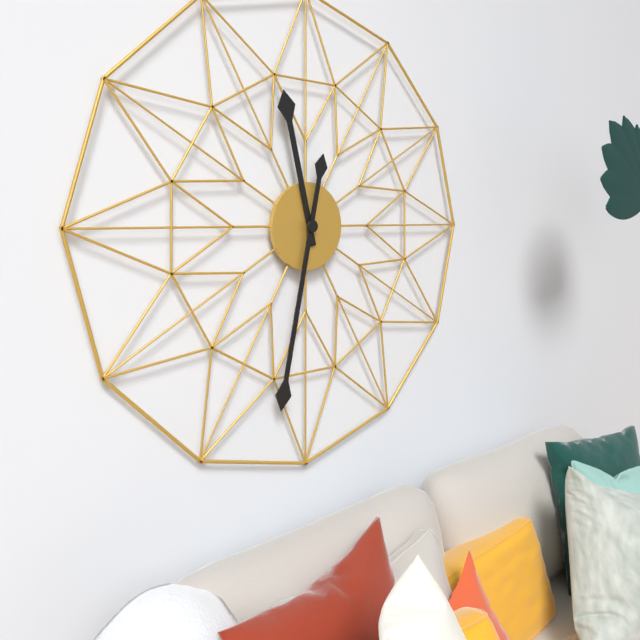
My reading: 11:32
